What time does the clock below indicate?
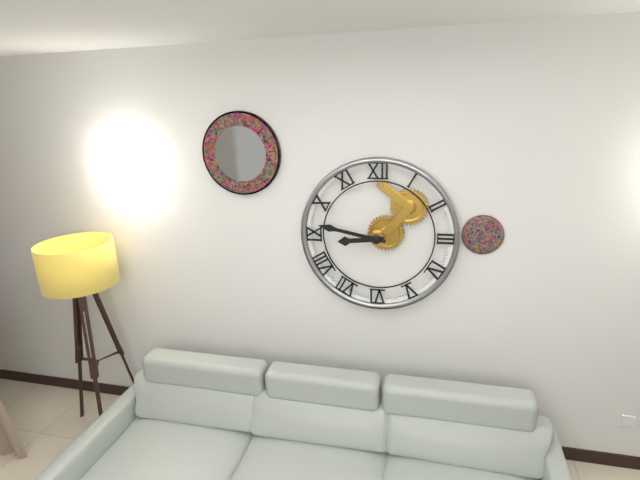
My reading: 8:47
